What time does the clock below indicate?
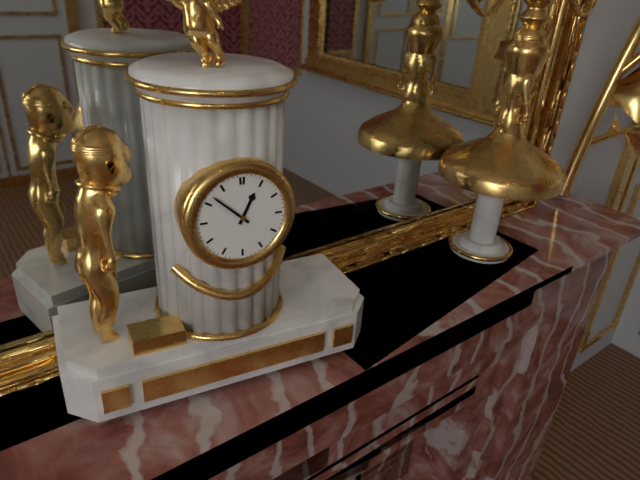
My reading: 12:52
